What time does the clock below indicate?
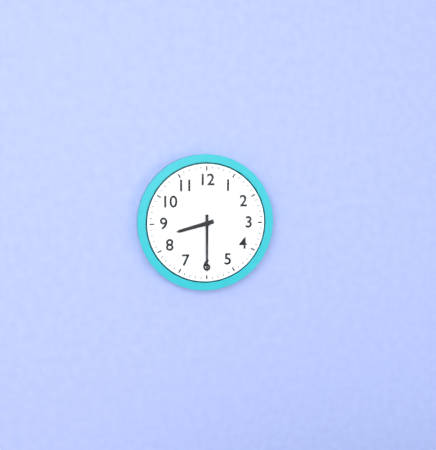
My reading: 8:30
